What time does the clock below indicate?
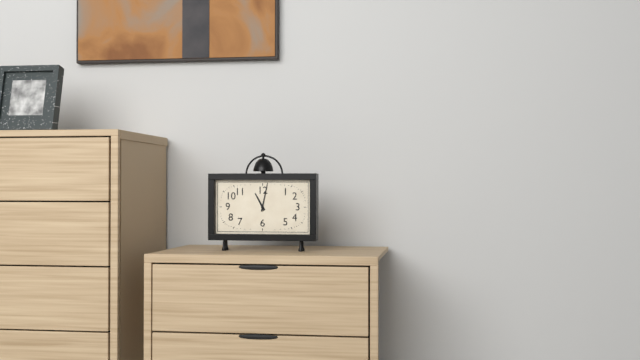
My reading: 11:02
